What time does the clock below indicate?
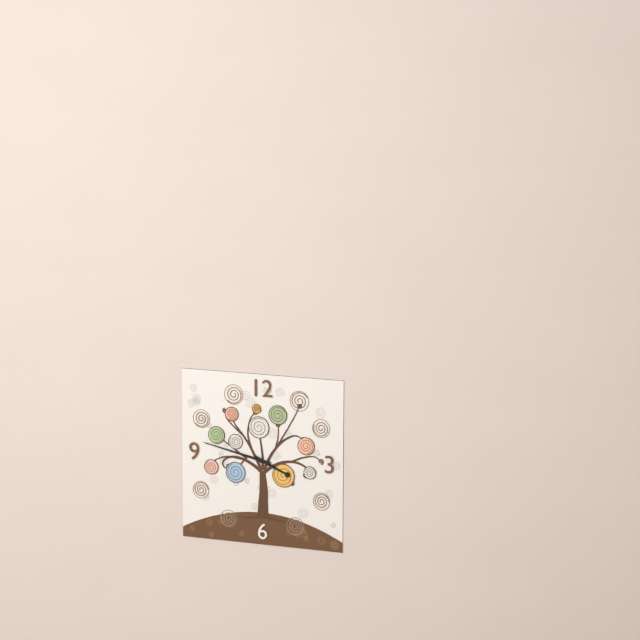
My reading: 3:47
